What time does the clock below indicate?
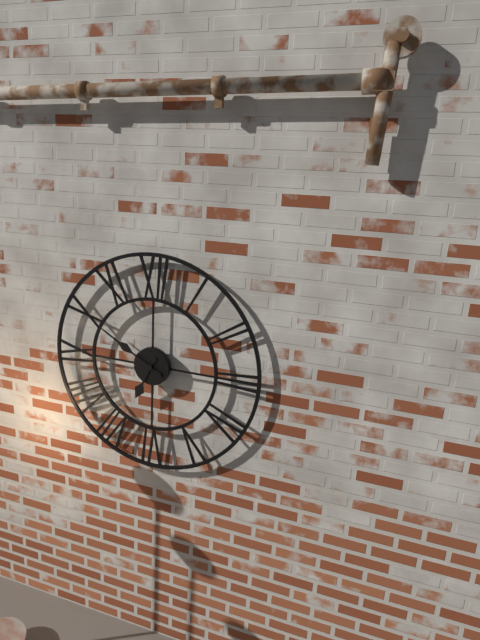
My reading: 6:50
